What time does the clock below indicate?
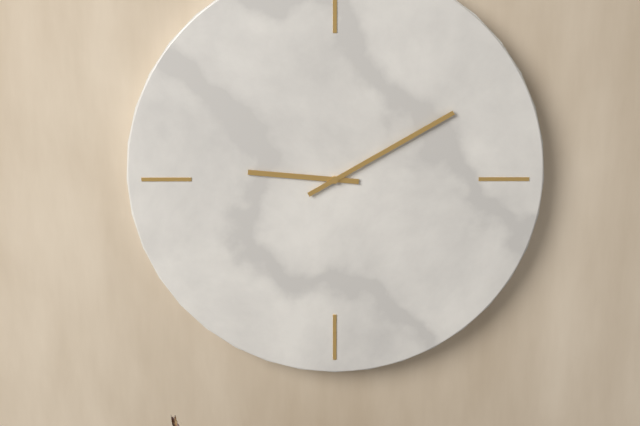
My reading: 9:10
